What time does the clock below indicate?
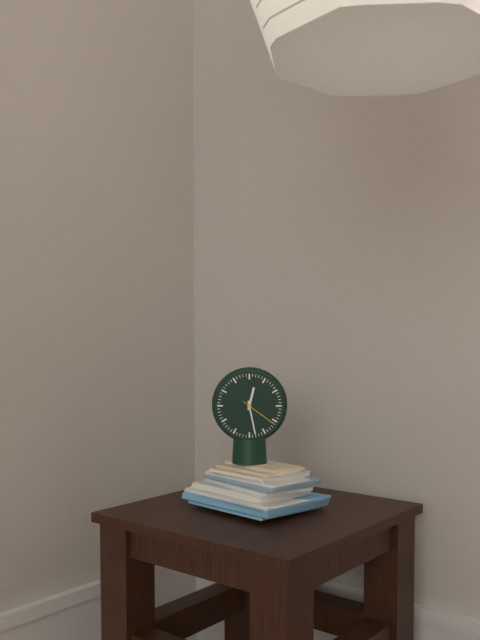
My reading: 12:28
